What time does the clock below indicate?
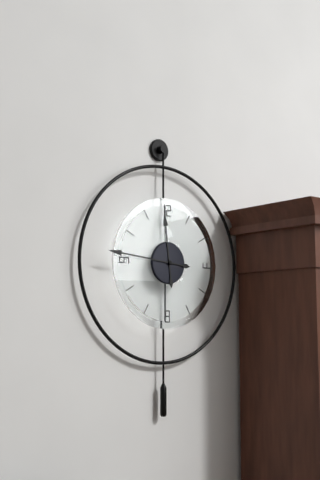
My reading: 11:46
